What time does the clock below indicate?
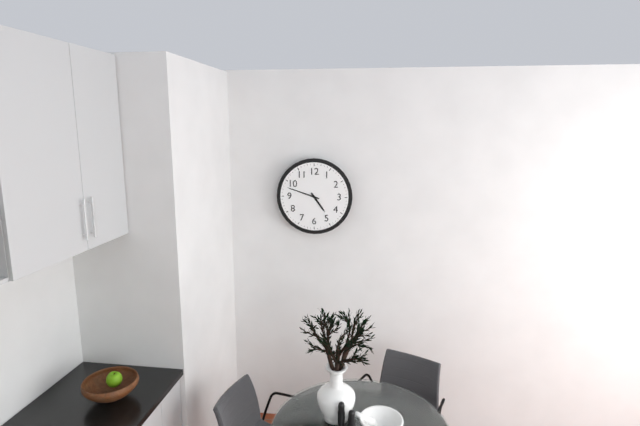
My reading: 4:48
